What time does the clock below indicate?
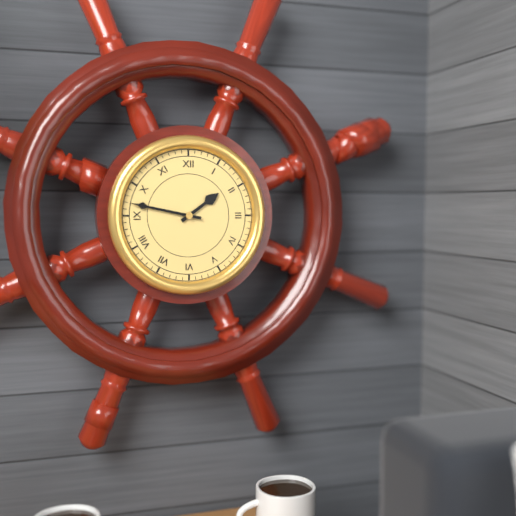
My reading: 1:47
